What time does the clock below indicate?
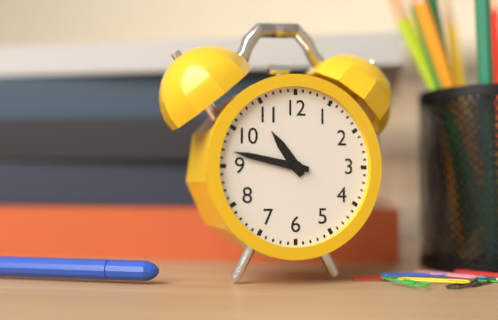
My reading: 10:47
